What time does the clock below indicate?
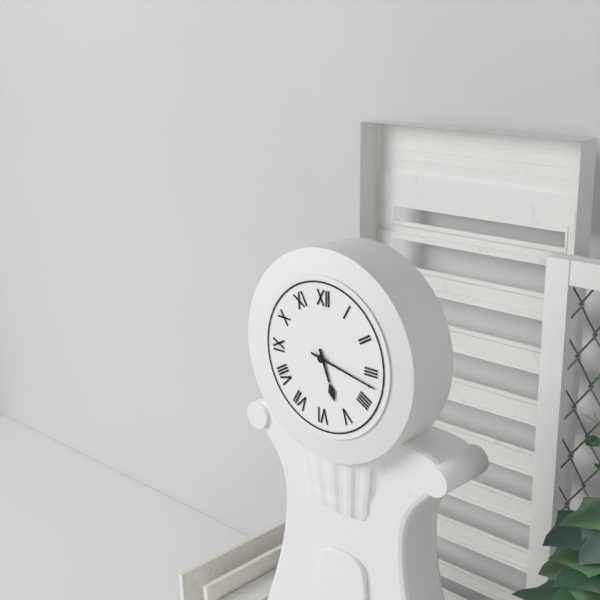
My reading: 5:17
